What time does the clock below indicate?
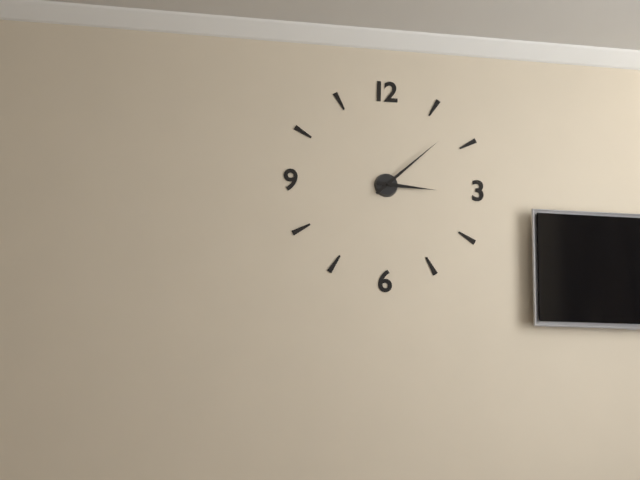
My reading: 3:08
